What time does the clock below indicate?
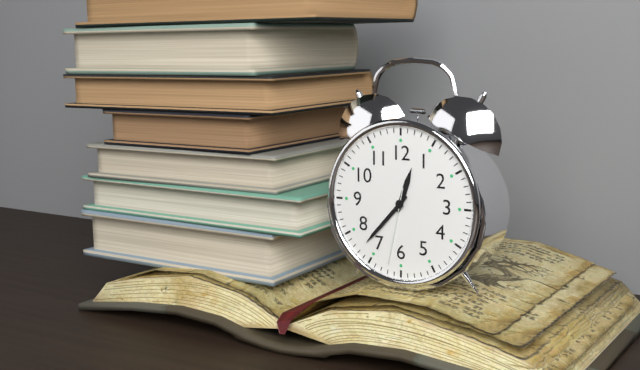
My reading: 12:37:32
